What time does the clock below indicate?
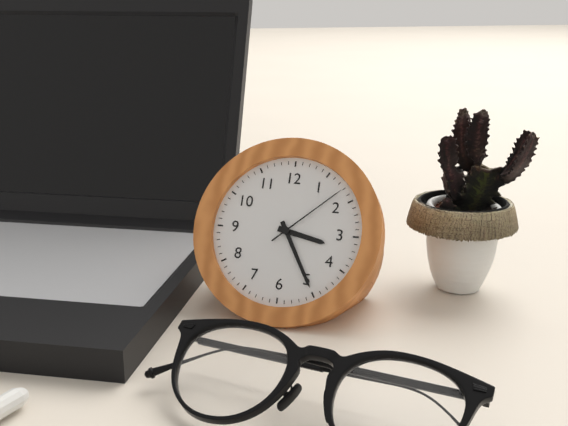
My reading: 3:25:08
